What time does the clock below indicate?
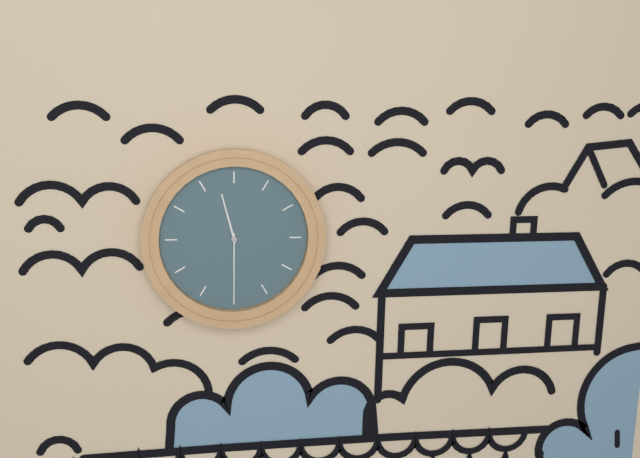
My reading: 11:30
